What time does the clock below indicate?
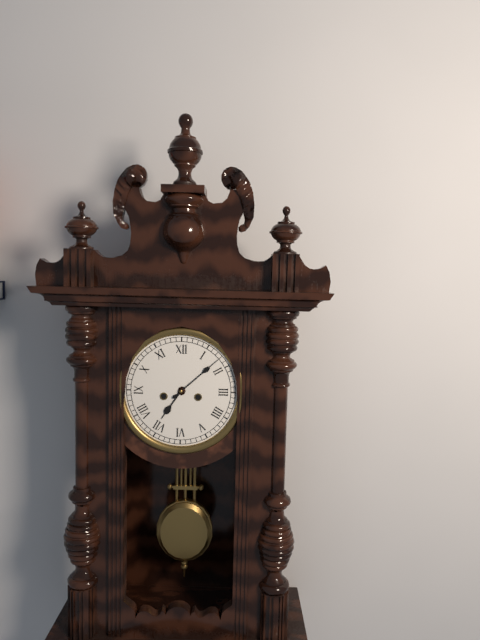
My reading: 7:08
